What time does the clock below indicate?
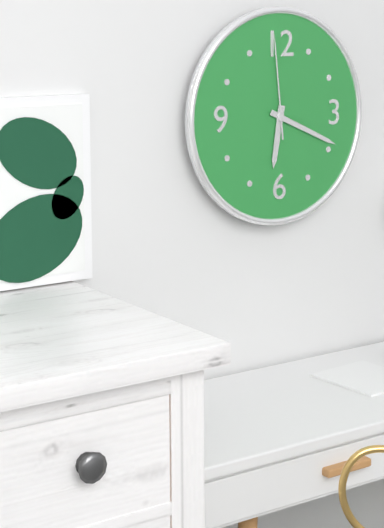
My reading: 6:19:59
